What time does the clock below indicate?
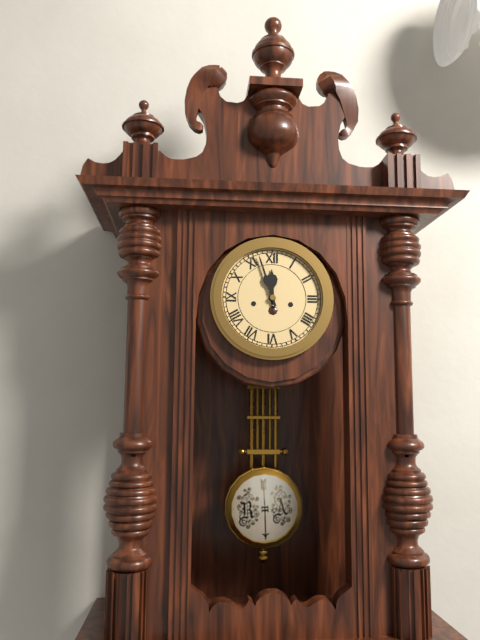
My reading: 11:57
